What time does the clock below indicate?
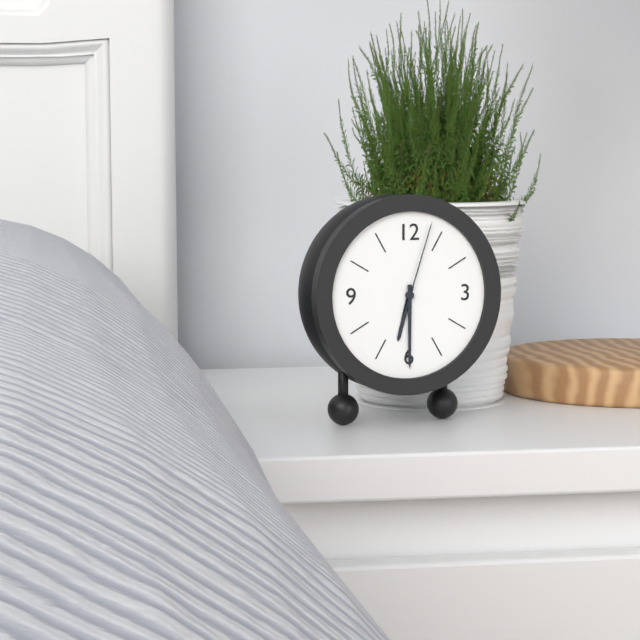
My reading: 6:30:03
